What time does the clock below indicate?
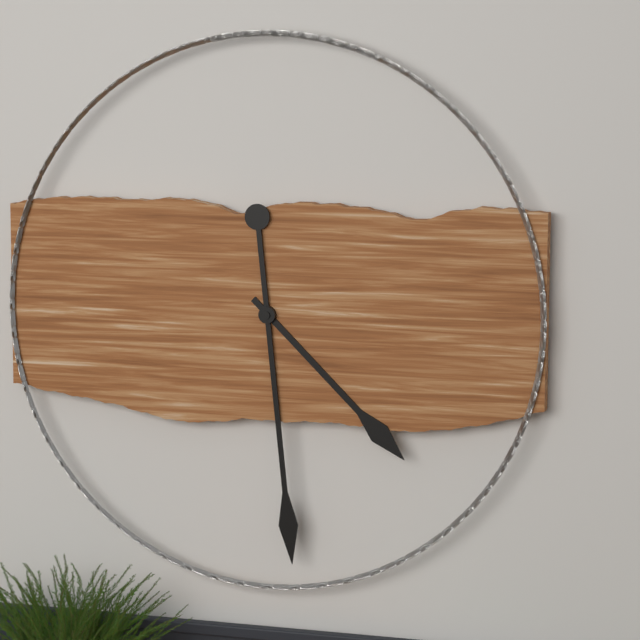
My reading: 4:29
